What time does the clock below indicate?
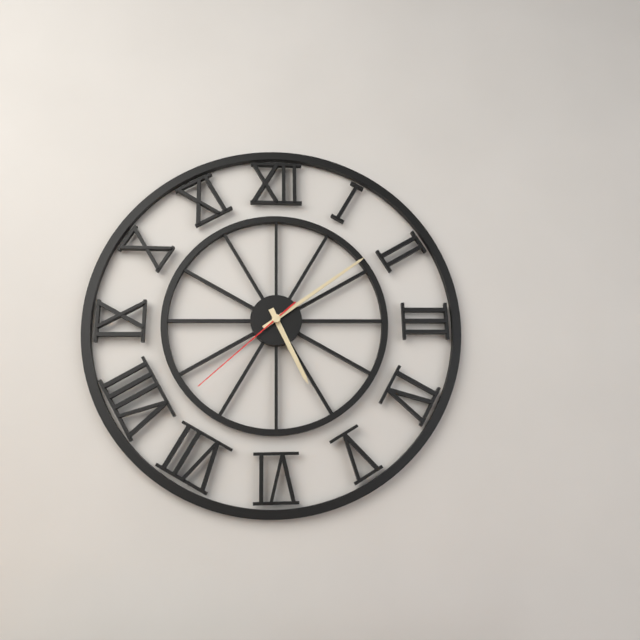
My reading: 5:09:38
